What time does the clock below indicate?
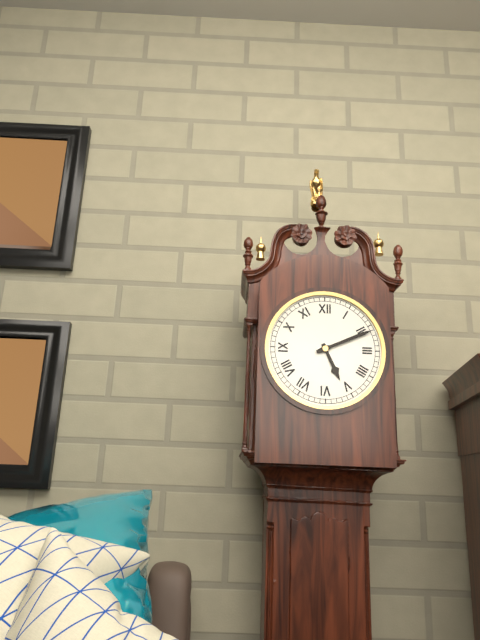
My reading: 5:11
